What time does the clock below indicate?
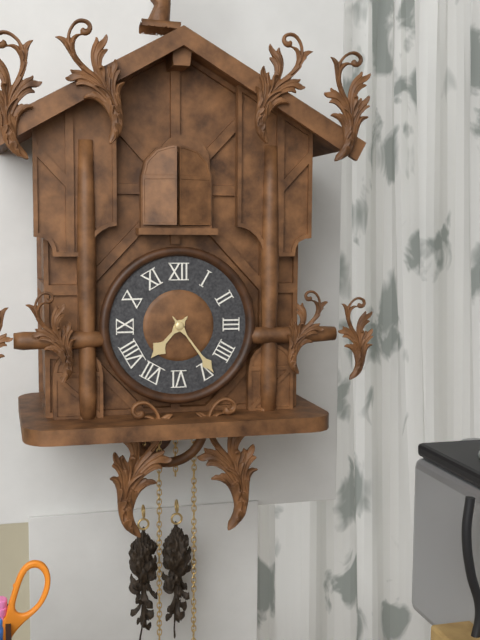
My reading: 7:24
